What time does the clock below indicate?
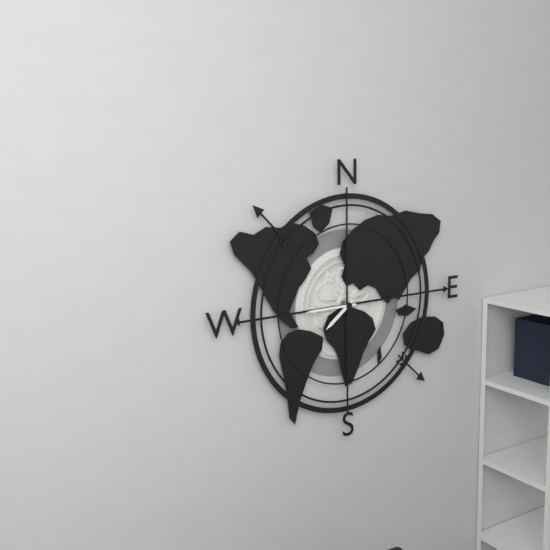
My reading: 7:45
